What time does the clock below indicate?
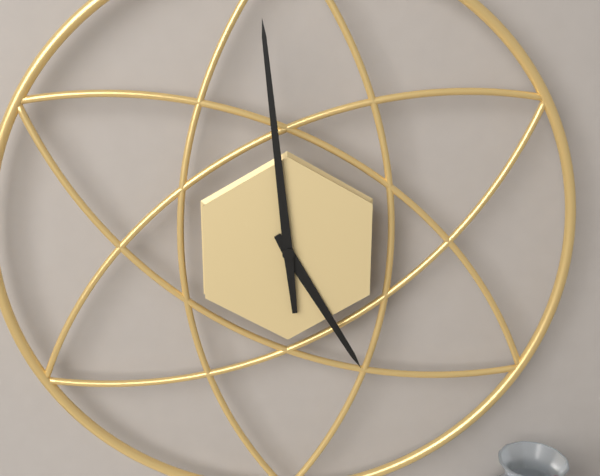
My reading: 4:59
